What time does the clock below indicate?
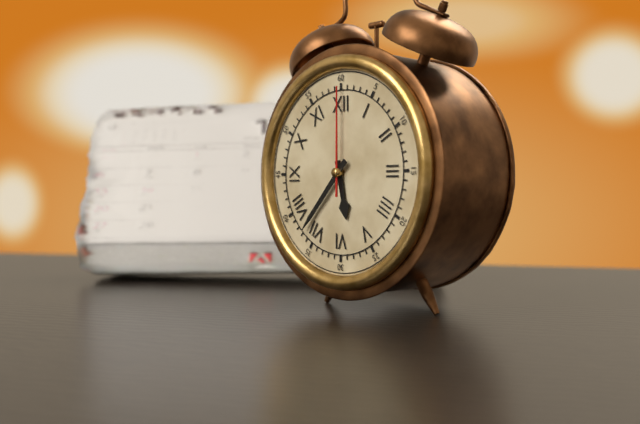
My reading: 5:37:00
